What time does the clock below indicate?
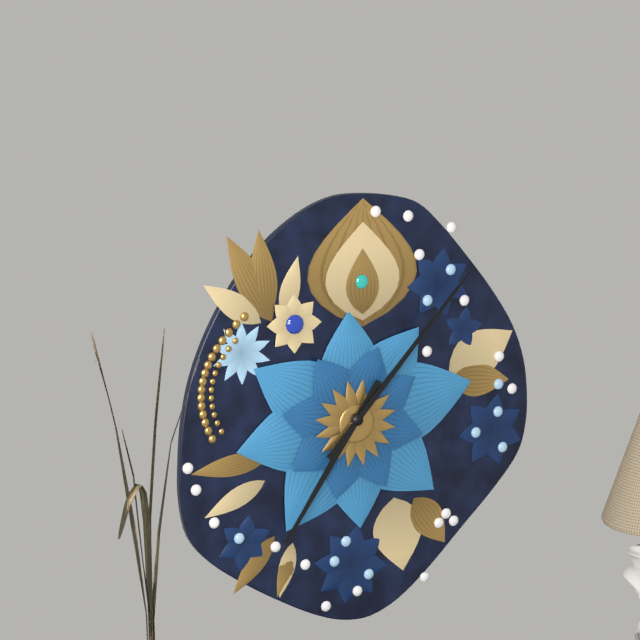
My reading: 7:07
